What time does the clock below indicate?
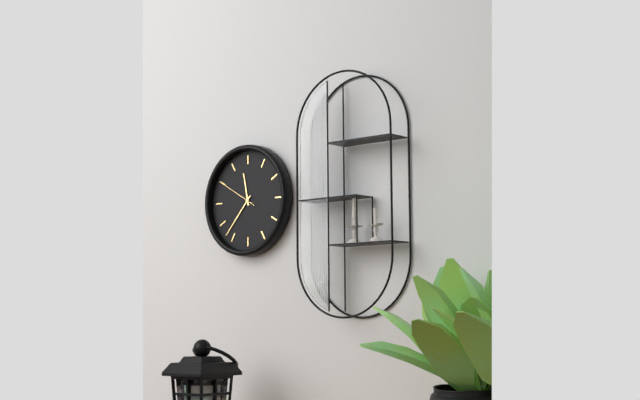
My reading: 11:37
